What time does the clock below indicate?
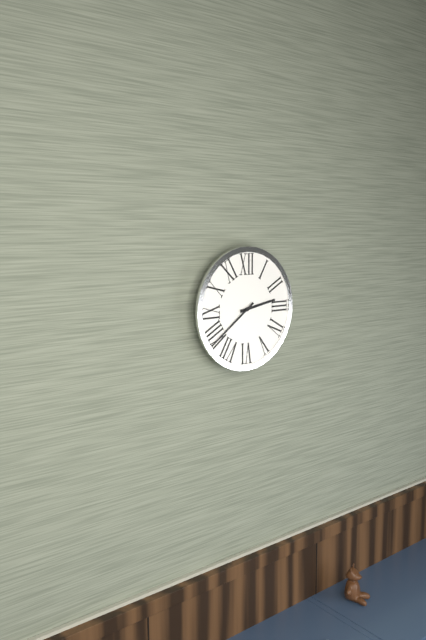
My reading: 2:39
